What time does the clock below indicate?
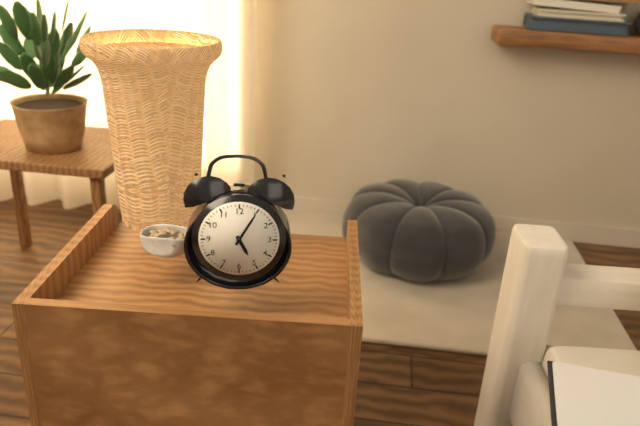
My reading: 5:05
